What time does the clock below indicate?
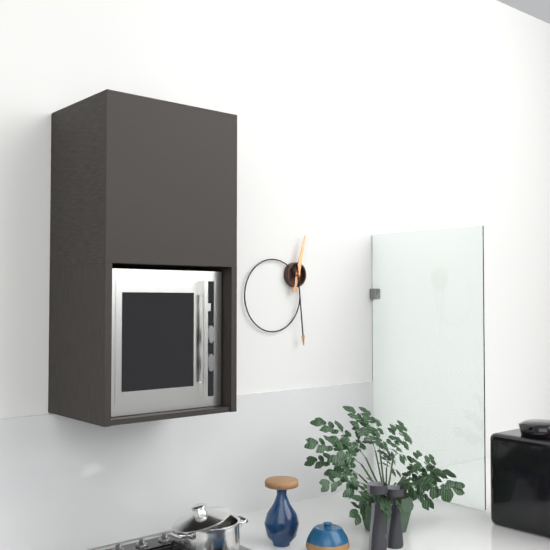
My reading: 12:29
